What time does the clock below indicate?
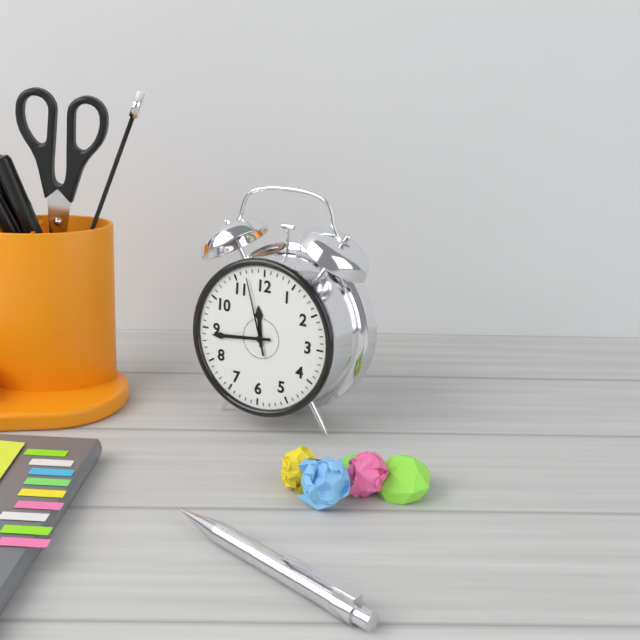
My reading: 11:44:57
